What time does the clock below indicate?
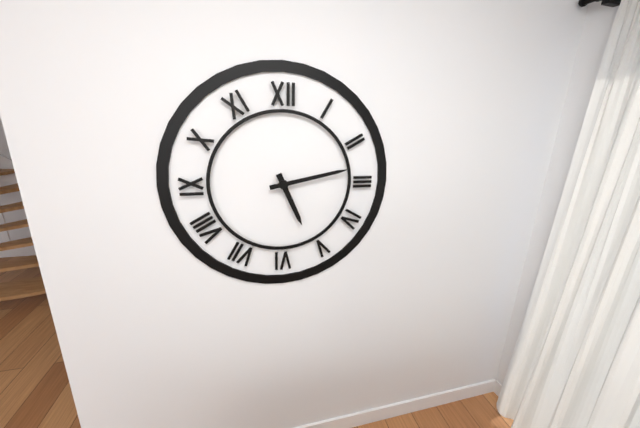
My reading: 5:13
